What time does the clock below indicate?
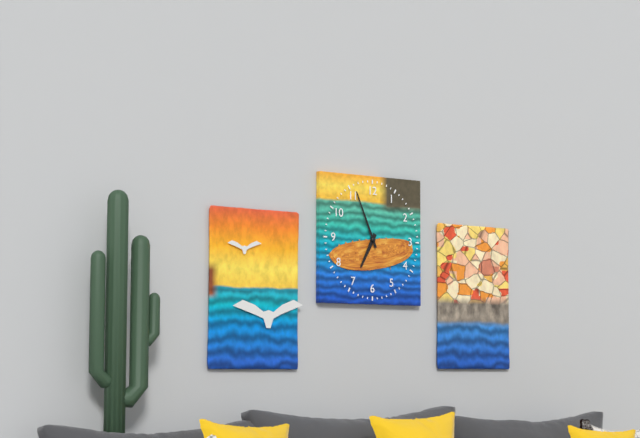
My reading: 6:56
